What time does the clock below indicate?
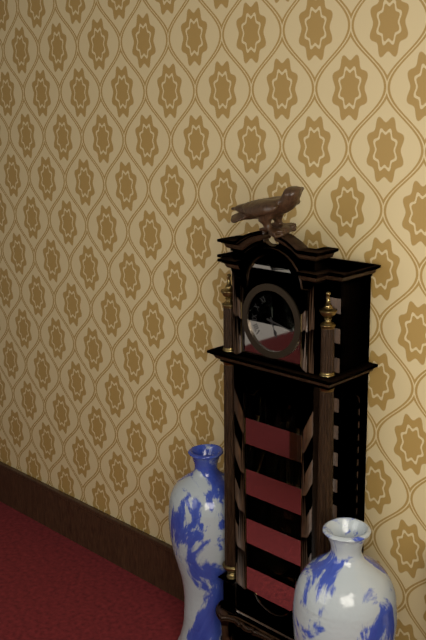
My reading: 5:17
